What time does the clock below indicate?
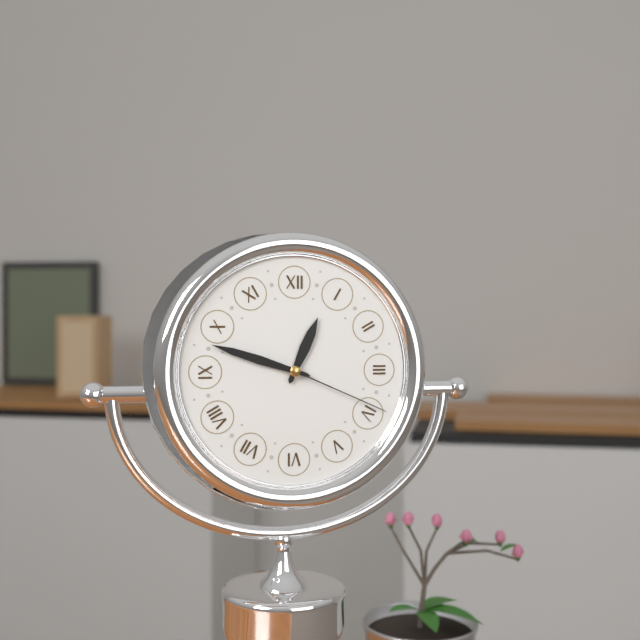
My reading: 12:48:19
